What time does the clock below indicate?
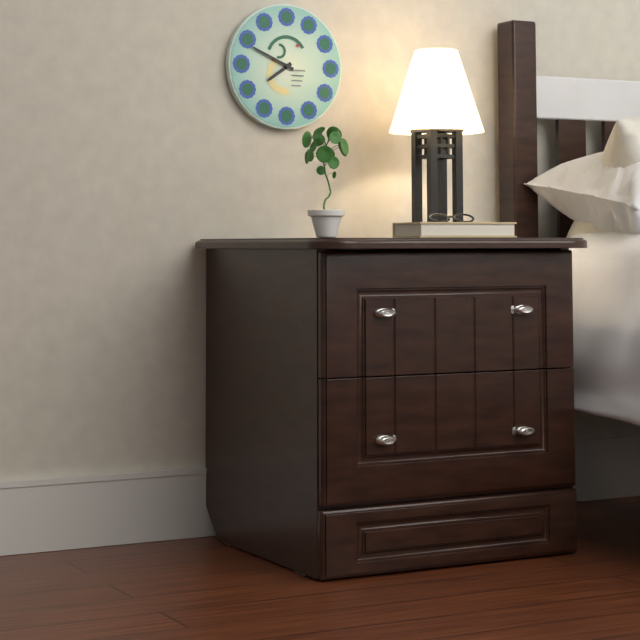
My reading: 7:49
